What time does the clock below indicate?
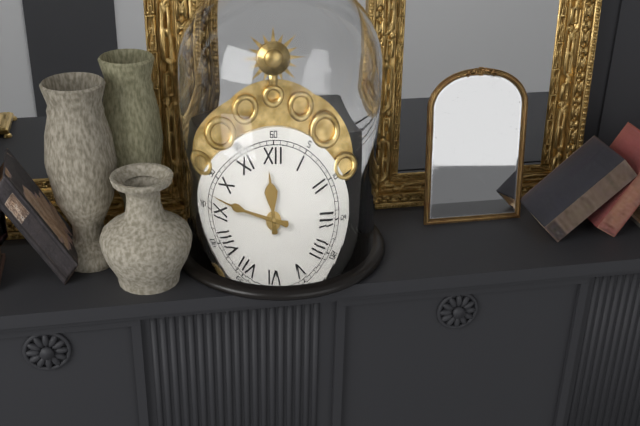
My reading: 11:47
